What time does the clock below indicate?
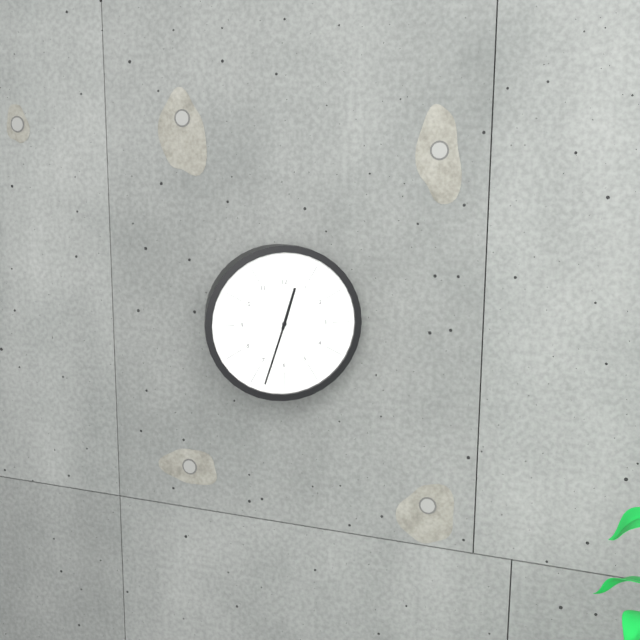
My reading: 12:33
